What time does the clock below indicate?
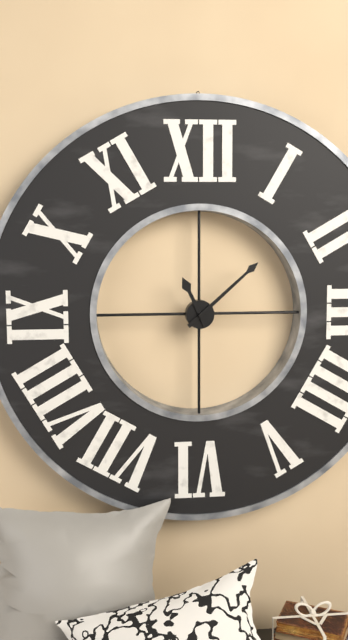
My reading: 11:08
